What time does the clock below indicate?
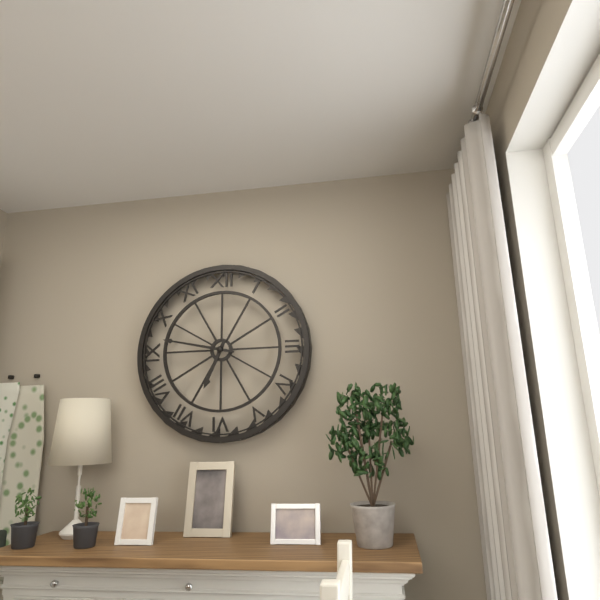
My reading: 6:47
